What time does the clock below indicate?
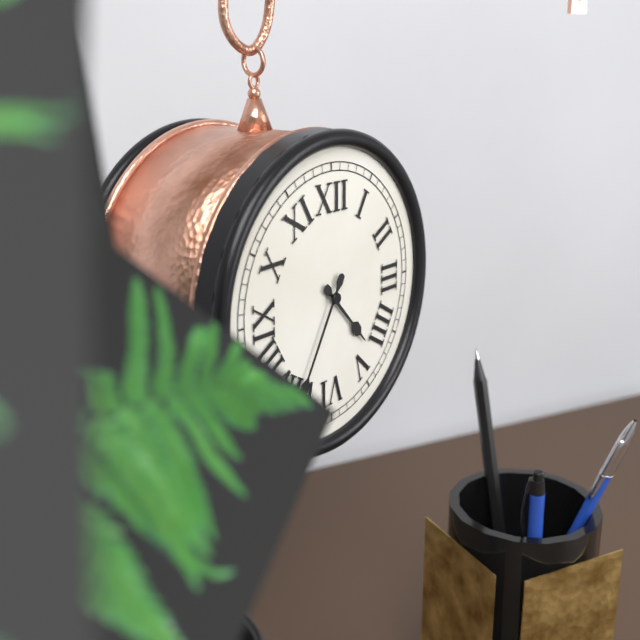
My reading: 4:35
